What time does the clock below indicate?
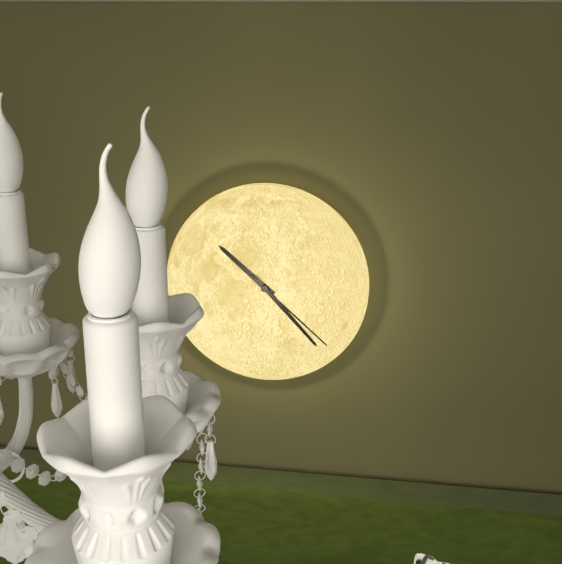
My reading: 10:23:22
